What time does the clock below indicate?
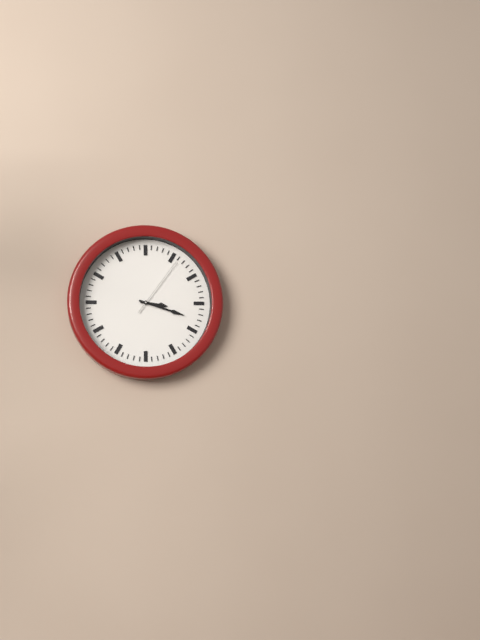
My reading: 3:18:06
